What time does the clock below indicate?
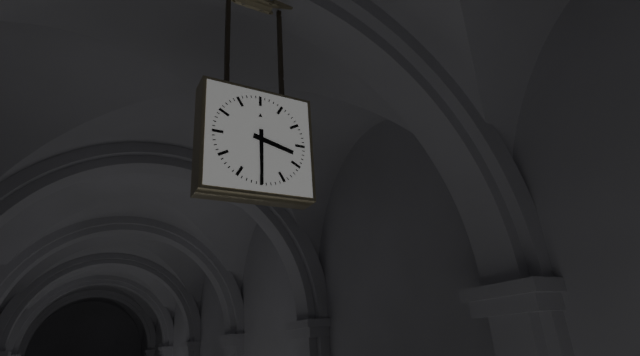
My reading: 3:30
